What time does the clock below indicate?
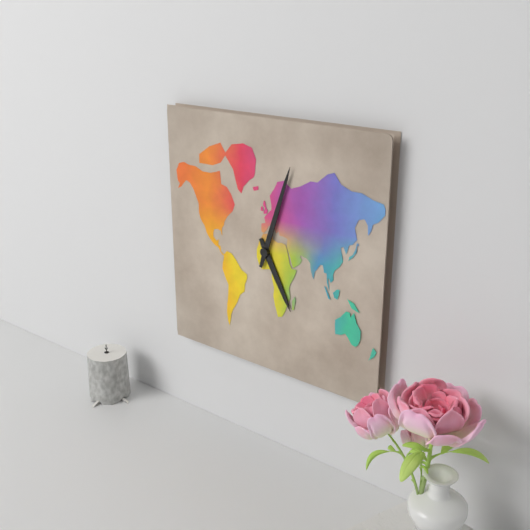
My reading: 5:03
